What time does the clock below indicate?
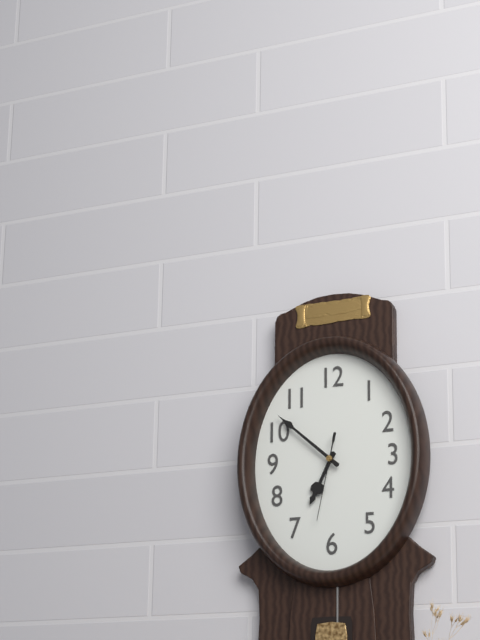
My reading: 6:52:32
